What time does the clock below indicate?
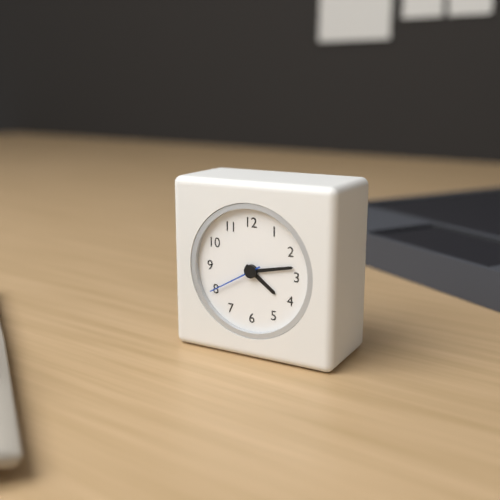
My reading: 4:13:40
